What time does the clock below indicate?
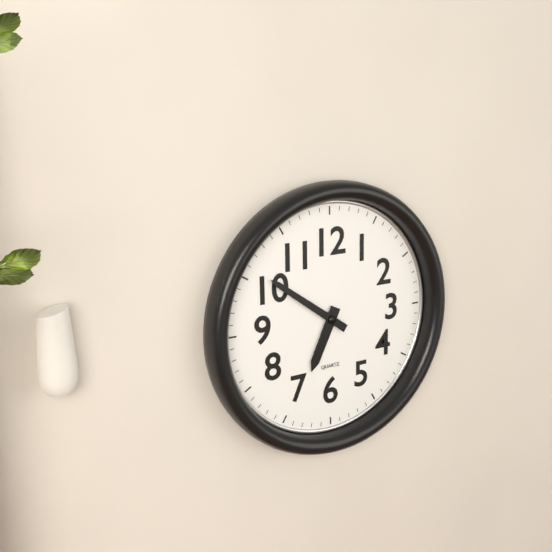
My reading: 6:51
